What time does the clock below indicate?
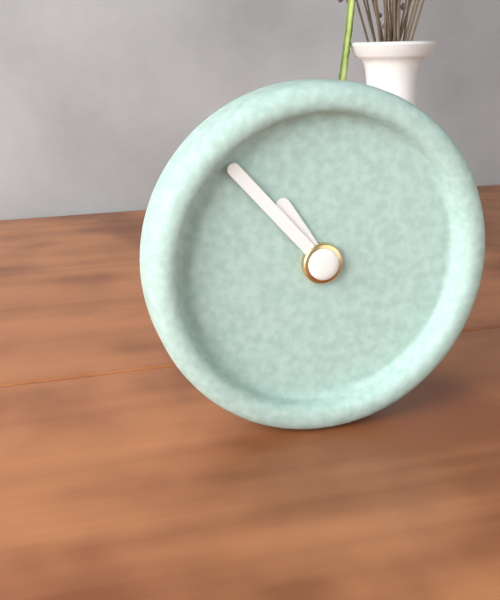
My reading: 10:53
